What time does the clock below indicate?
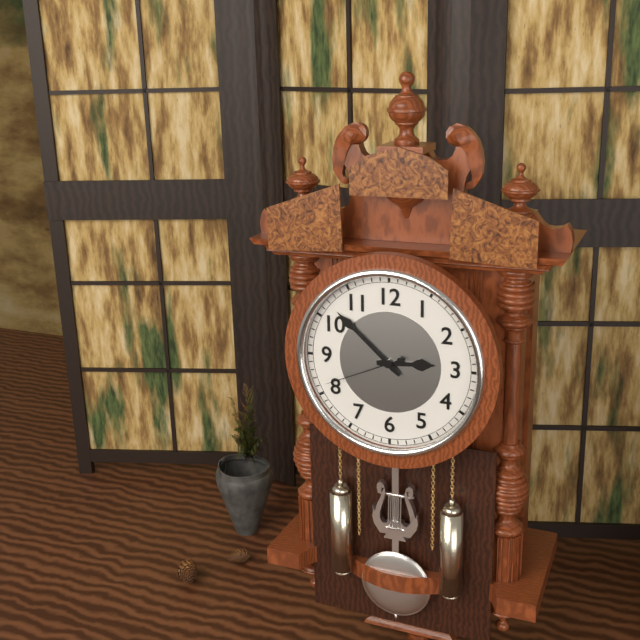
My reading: 2:52:41
